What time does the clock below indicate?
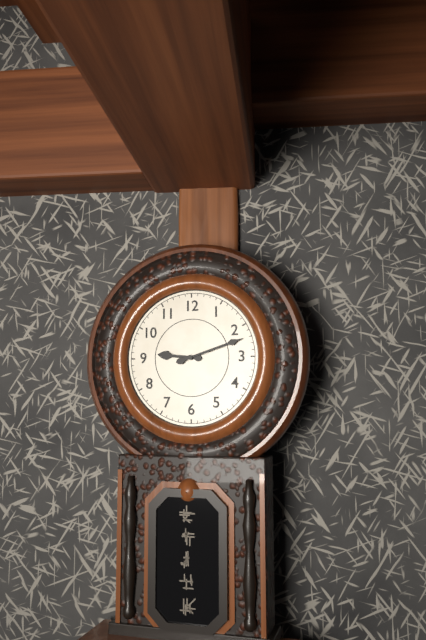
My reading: 9:12
